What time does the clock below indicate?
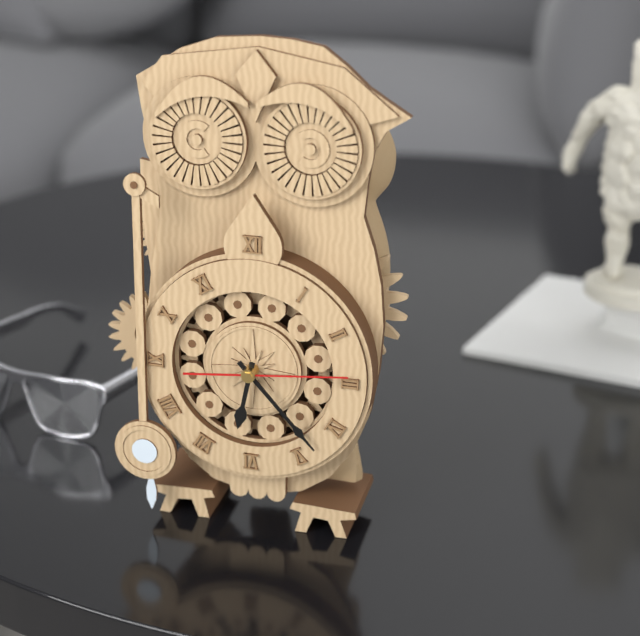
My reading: 6:23:14
